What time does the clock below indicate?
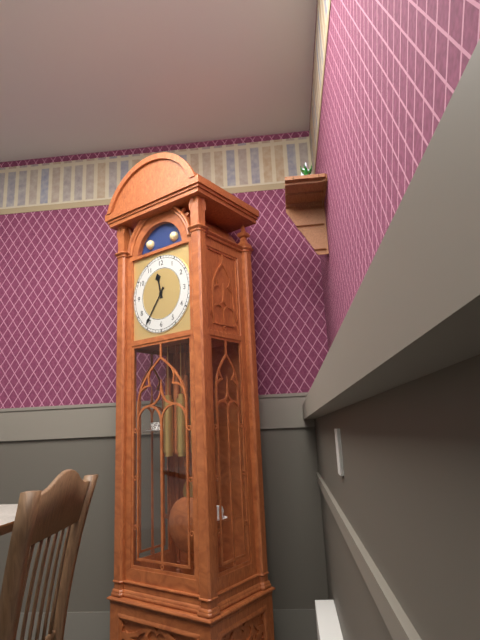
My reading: 11:36
